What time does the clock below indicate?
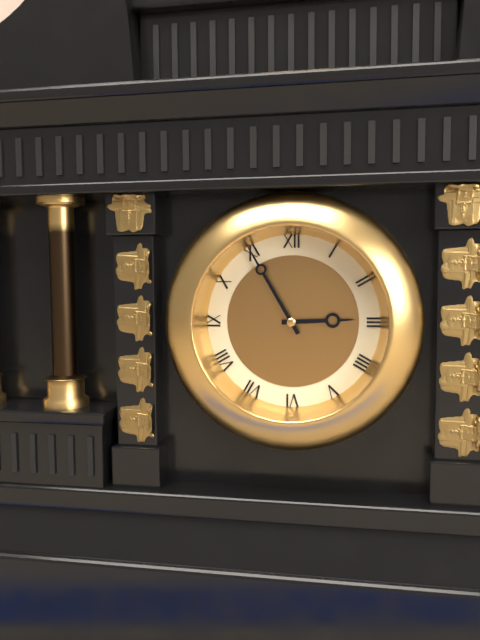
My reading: 2:55
